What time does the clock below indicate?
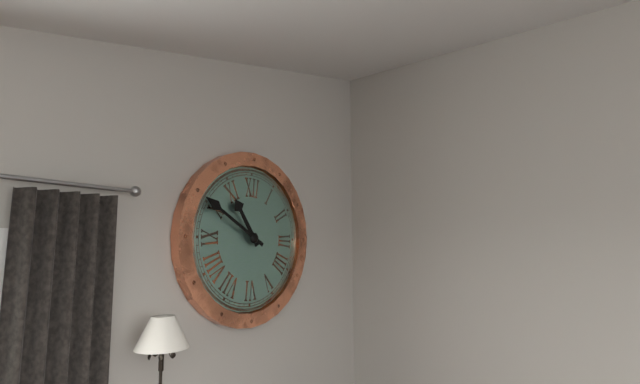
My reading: 10:50
